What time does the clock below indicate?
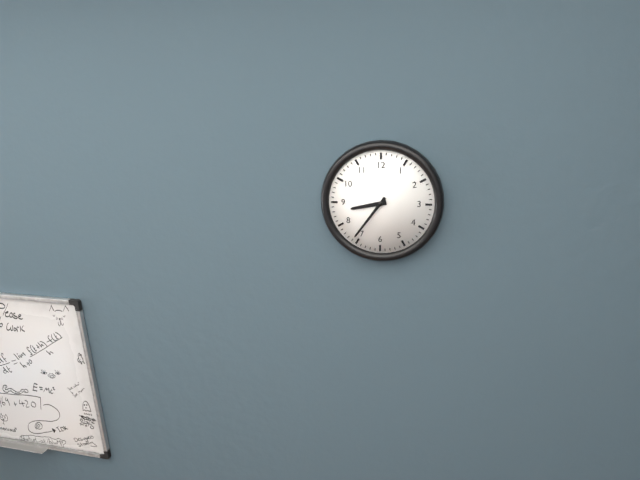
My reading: 8:36
